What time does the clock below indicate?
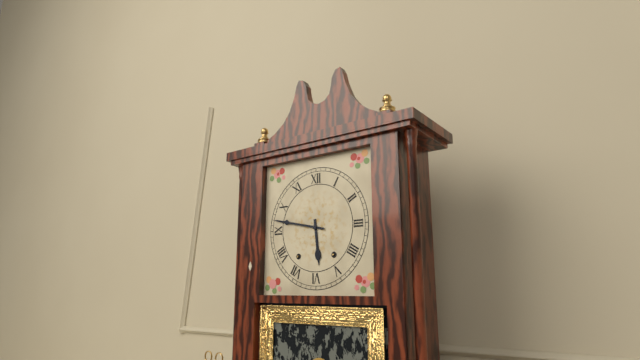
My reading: 5:47
